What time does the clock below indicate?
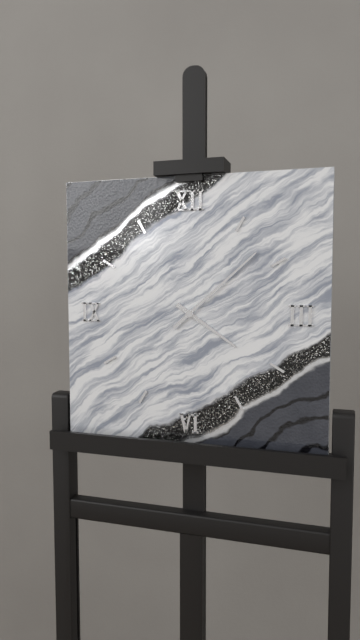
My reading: 4:08
